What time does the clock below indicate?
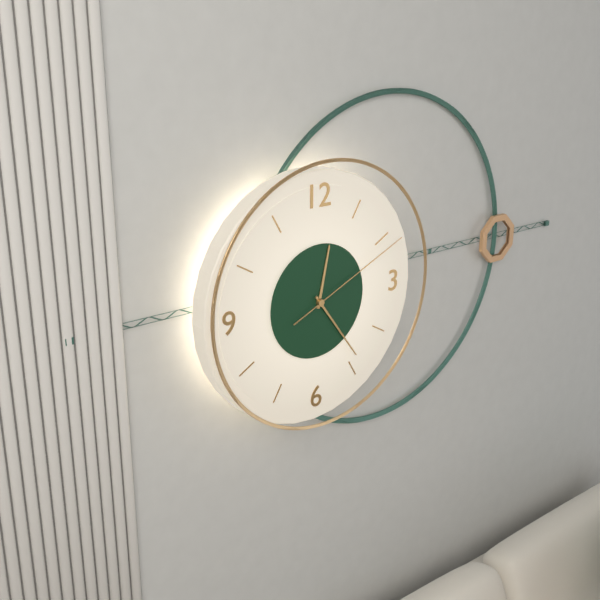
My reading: 12:24:11
